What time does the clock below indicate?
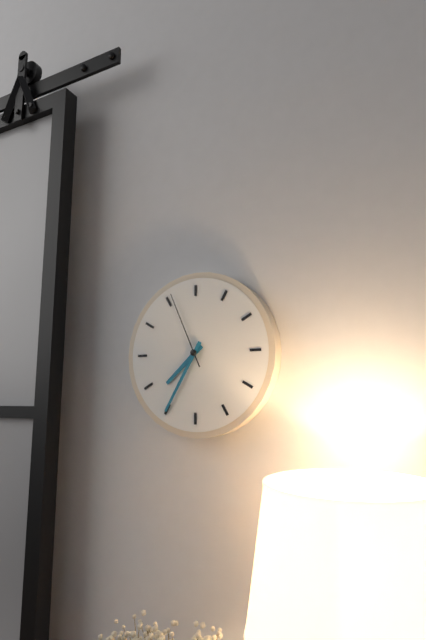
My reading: 7:35:56
